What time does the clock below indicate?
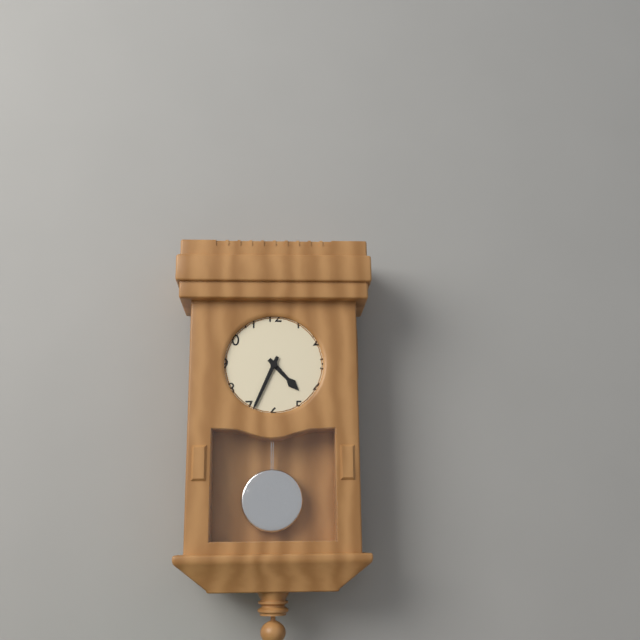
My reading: 4:34
